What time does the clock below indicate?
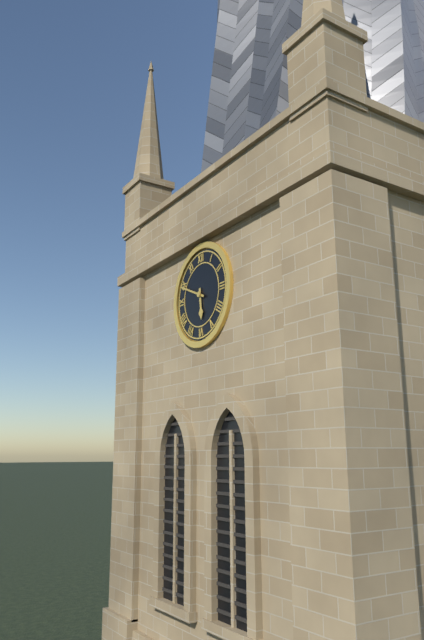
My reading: 5:49
